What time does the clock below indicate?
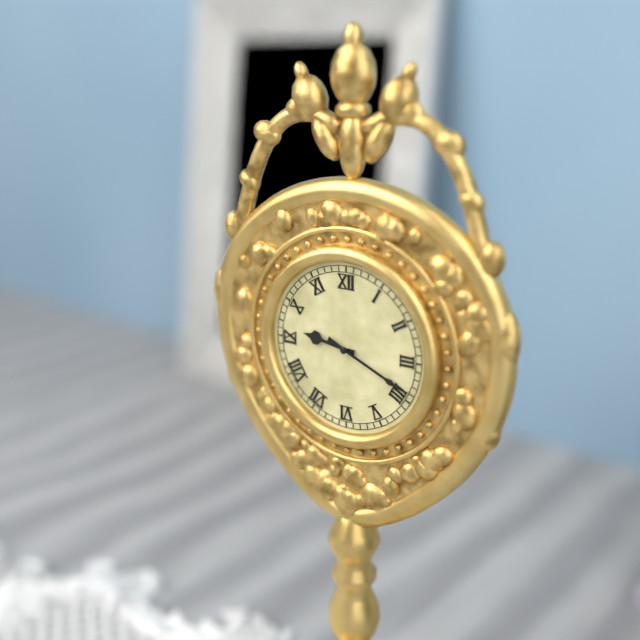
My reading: 9:19
